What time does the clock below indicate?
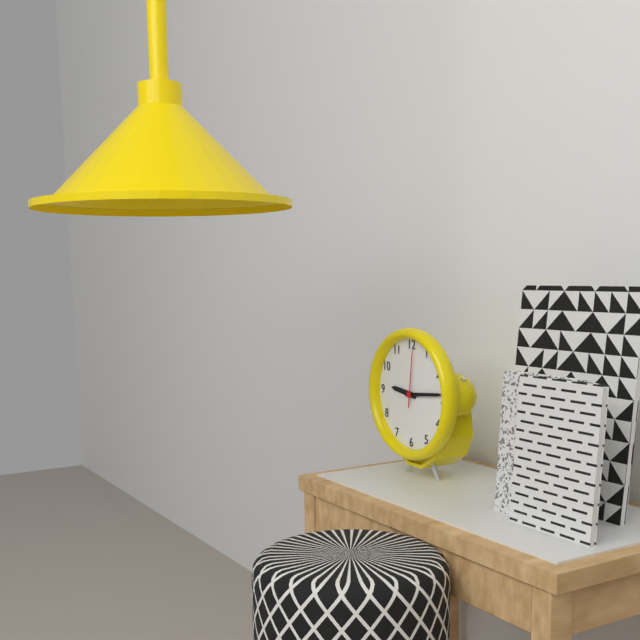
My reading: 9:14:01
